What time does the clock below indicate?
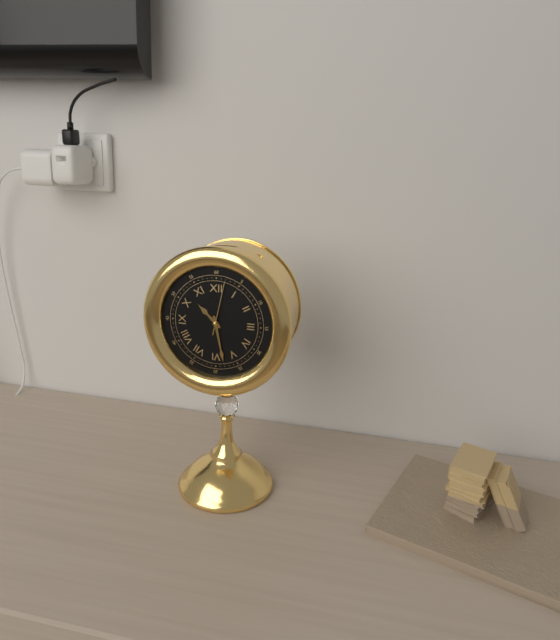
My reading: 10:28:02
